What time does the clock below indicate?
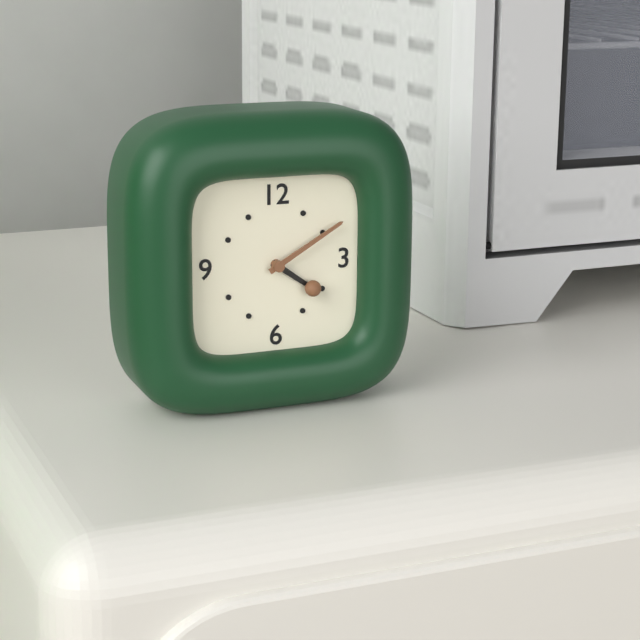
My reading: 4:10
